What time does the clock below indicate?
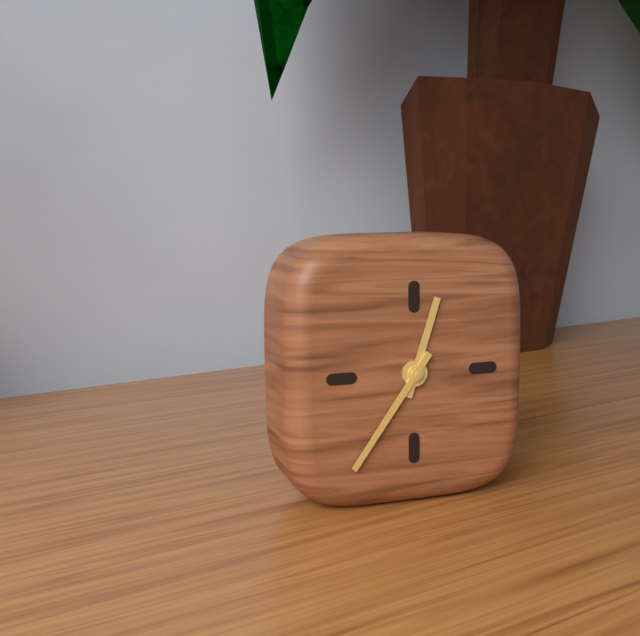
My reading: 12:36
